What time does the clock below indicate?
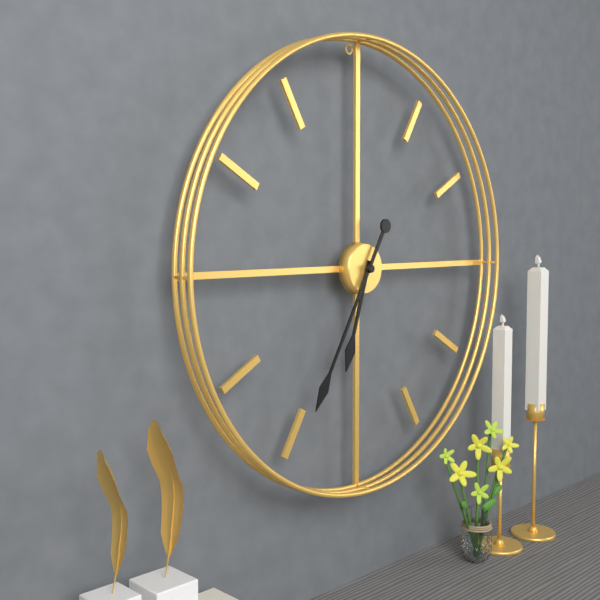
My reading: 6:35
